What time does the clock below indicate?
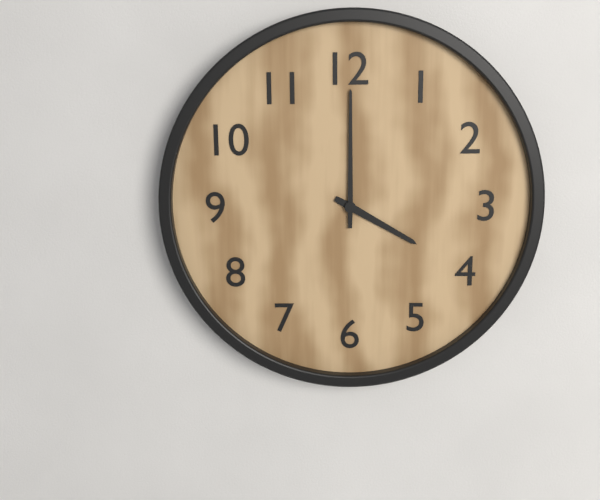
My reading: 4:00
